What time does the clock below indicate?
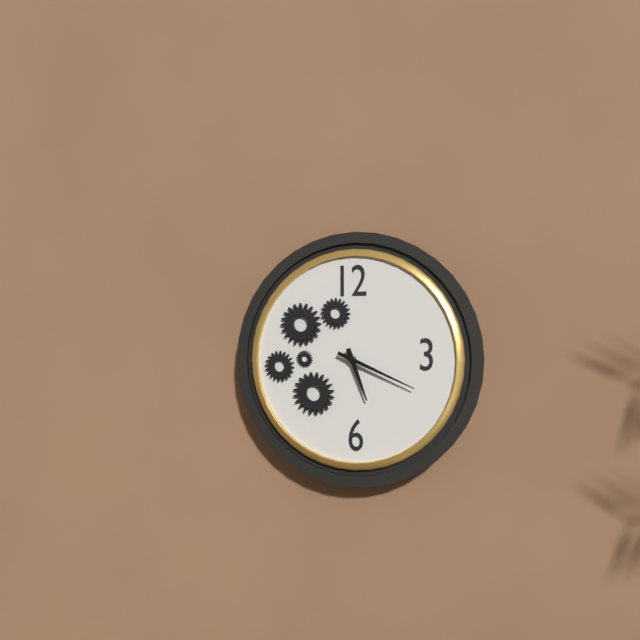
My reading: 5:19
